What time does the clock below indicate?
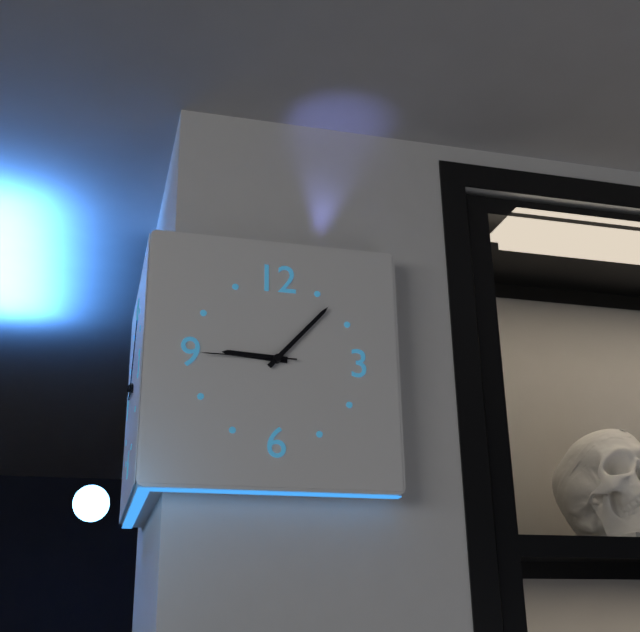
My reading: 9:07:45
